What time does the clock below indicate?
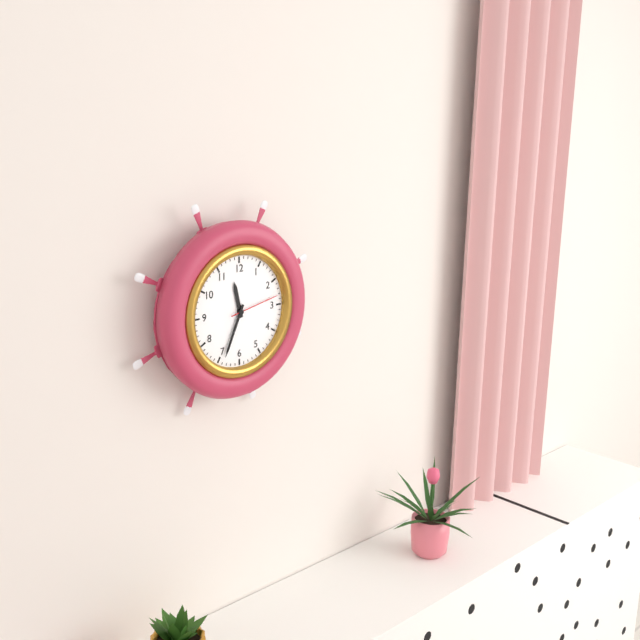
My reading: 11:34:13
